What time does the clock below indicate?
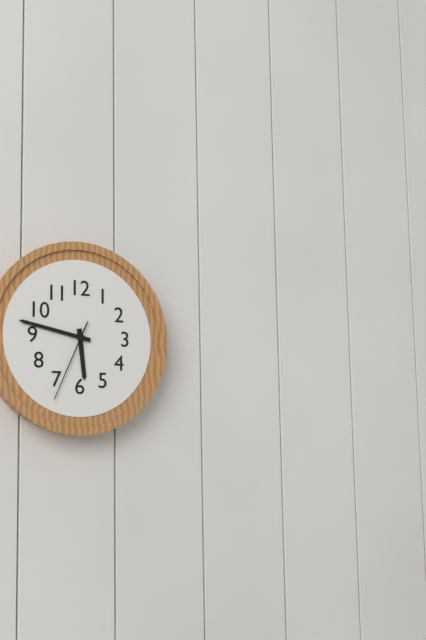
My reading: 5:47:34
